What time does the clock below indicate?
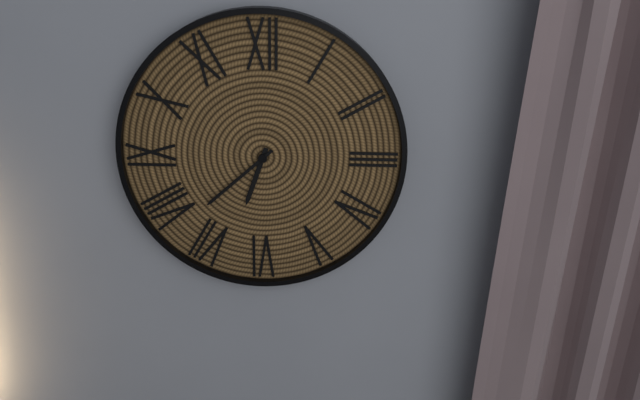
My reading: 6:38
